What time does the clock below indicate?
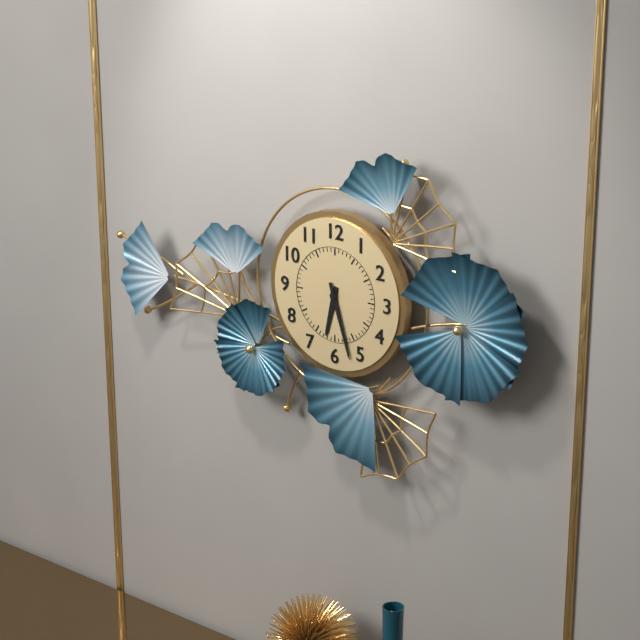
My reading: 6:27
